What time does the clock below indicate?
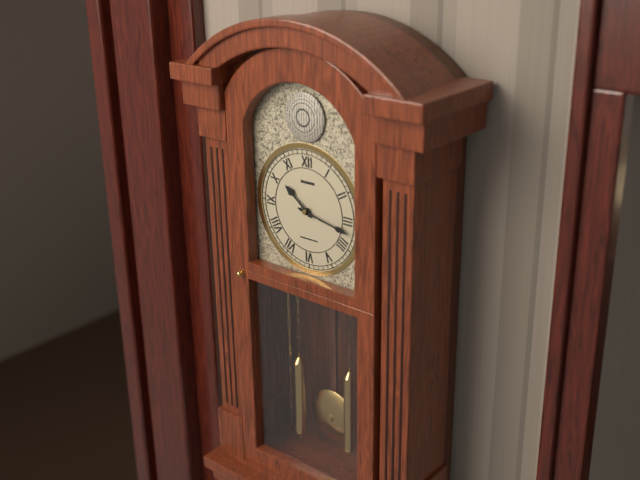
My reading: 10:17
